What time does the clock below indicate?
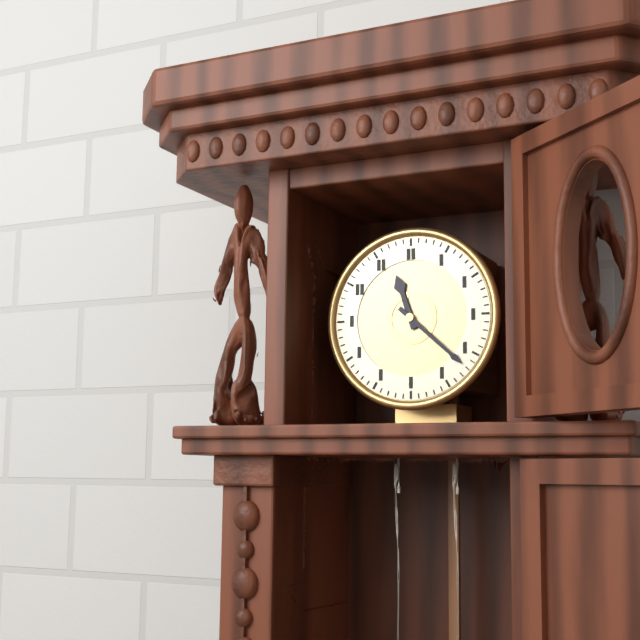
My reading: 11:22
